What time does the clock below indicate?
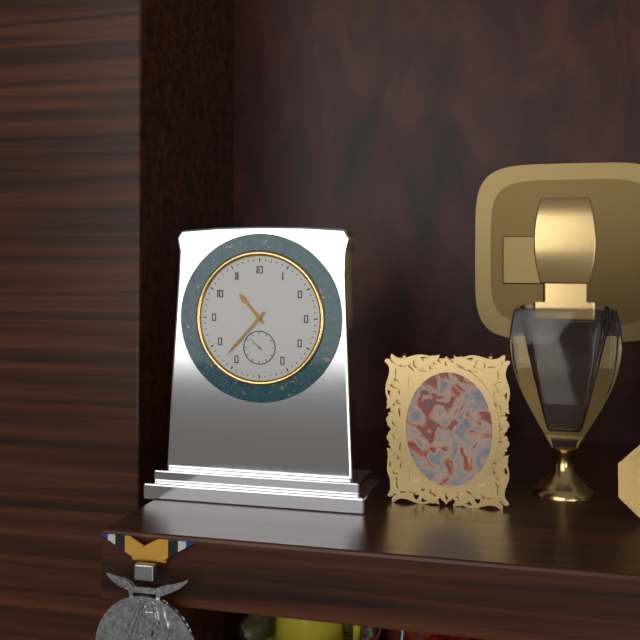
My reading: 10:37
